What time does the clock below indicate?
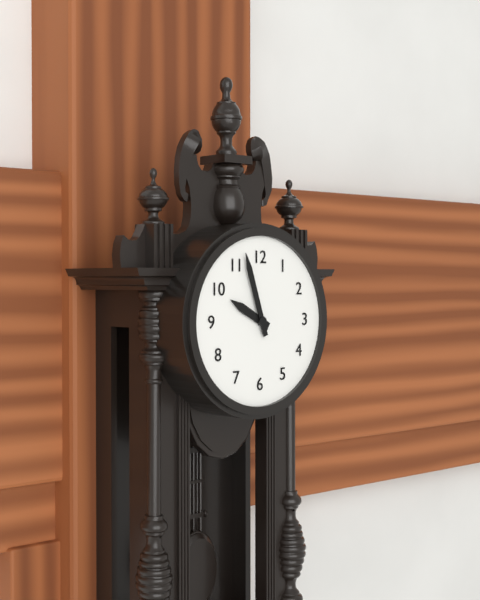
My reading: 9:57
